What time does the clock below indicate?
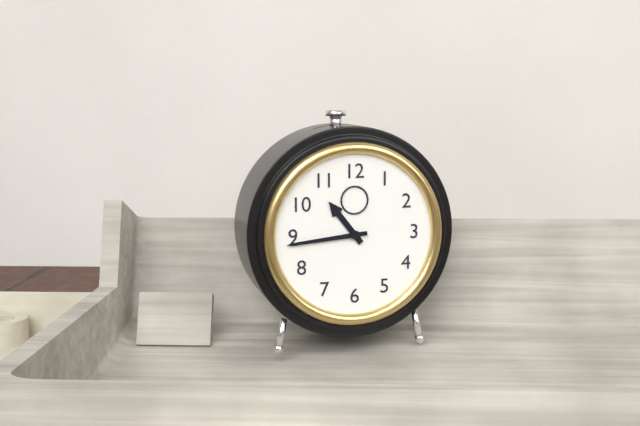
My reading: 10:44
